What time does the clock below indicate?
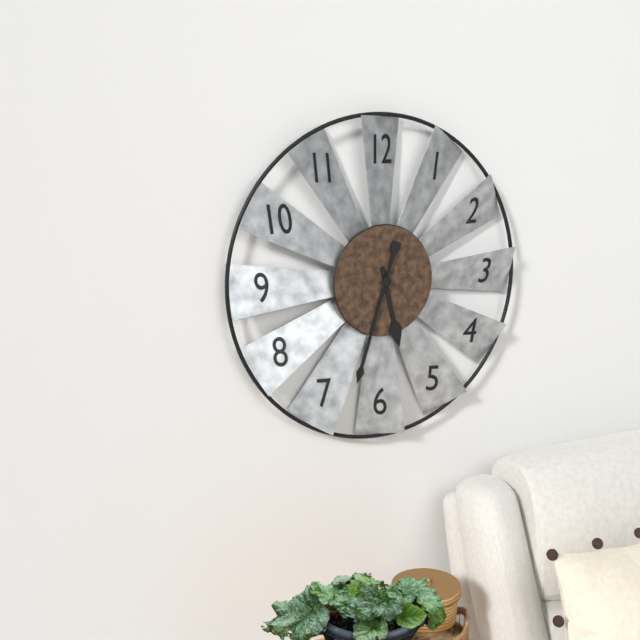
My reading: 5:33
